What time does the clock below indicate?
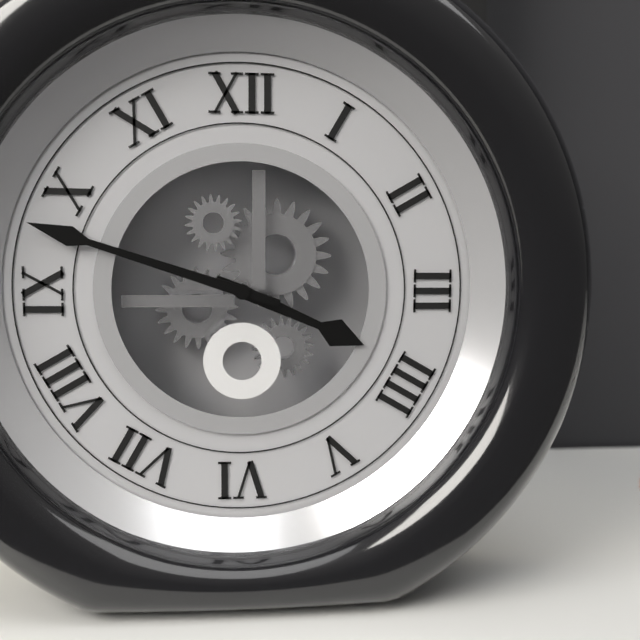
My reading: 3:48
